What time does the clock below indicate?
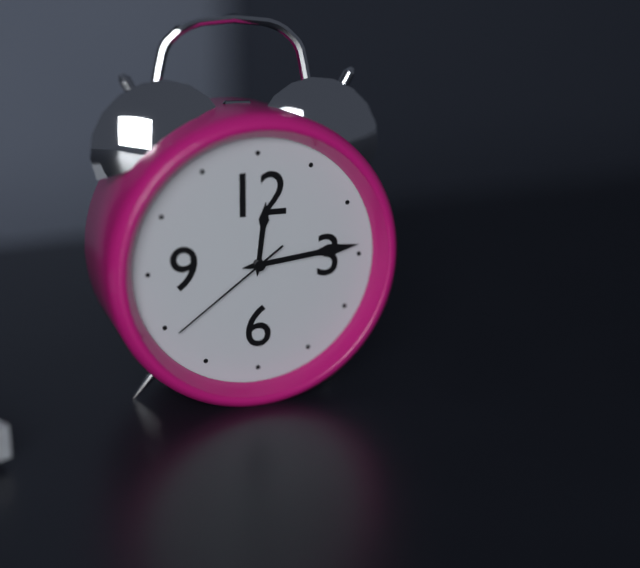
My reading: 12:14:39
